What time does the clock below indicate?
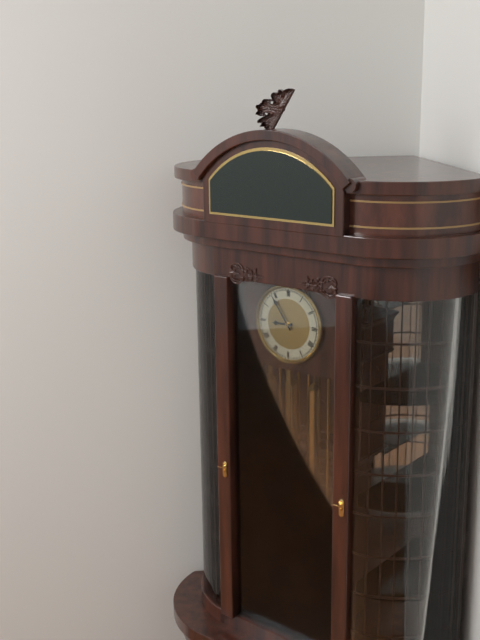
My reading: 8:54
